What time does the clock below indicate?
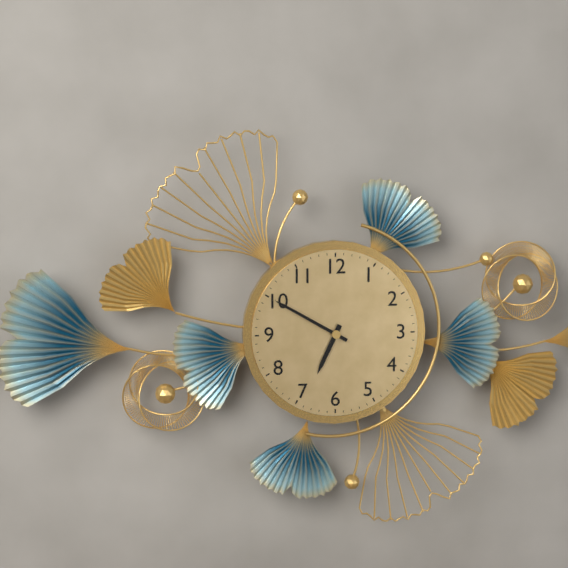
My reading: 6:50
